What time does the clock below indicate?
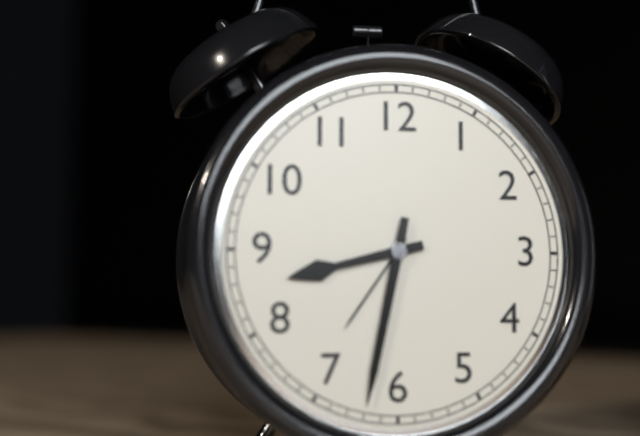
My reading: 8:32
